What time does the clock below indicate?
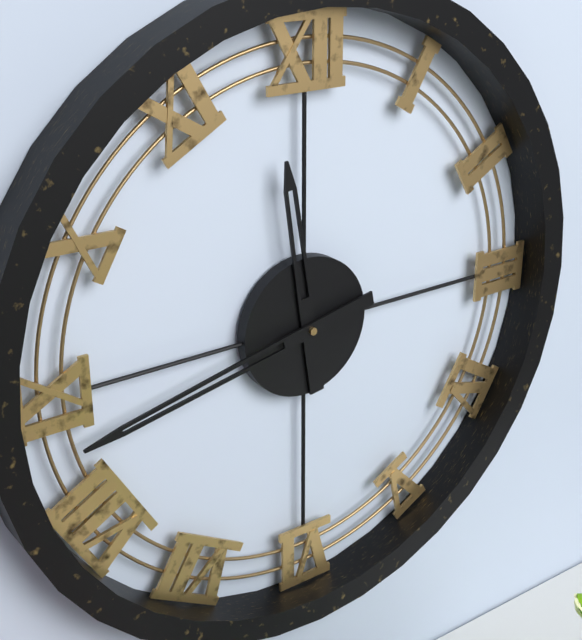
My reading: 11:43
